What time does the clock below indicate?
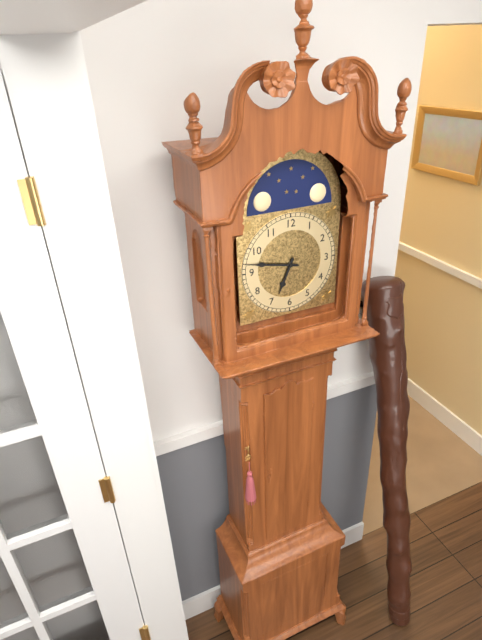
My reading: 6:47
